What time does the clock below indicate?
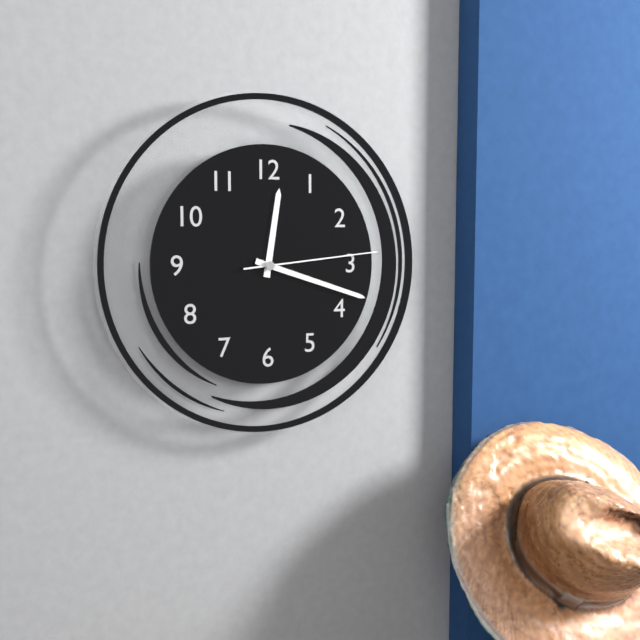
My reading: 12:18:14
